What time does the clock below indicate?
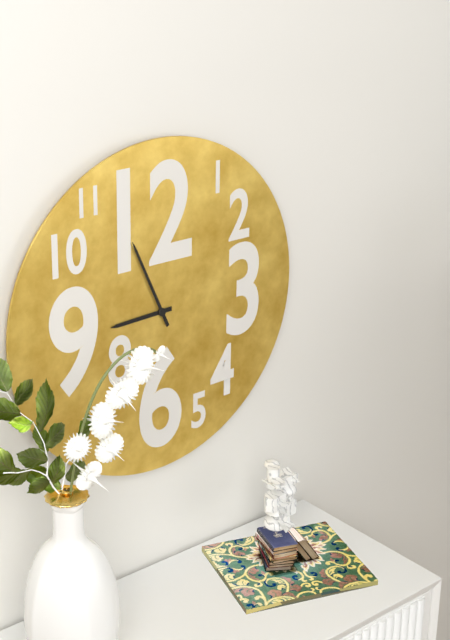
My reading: 8:56
